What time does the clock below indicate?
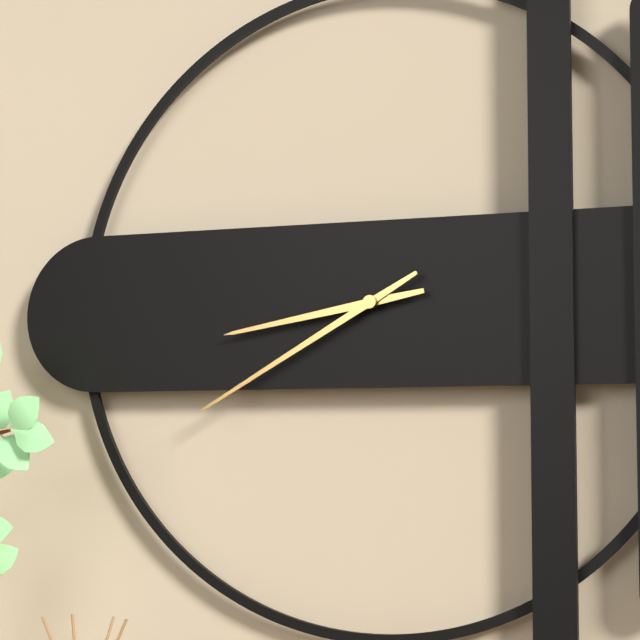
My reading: 8:40
